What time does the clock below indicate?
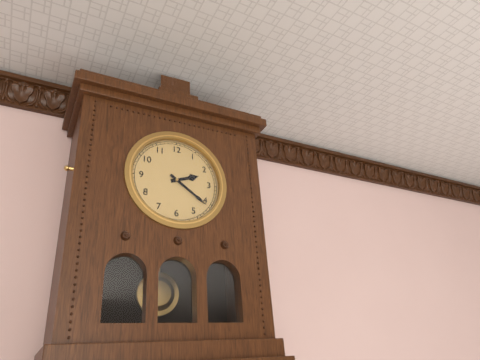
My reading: 2:21
